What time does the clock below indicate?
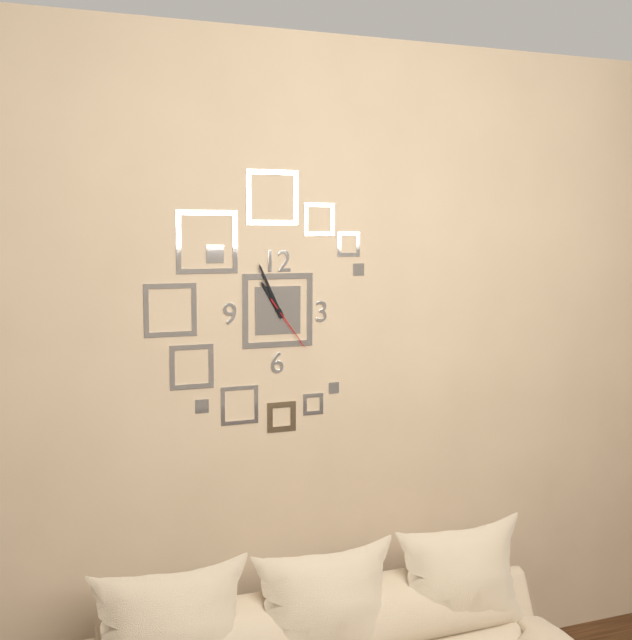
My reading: 10:56:24
